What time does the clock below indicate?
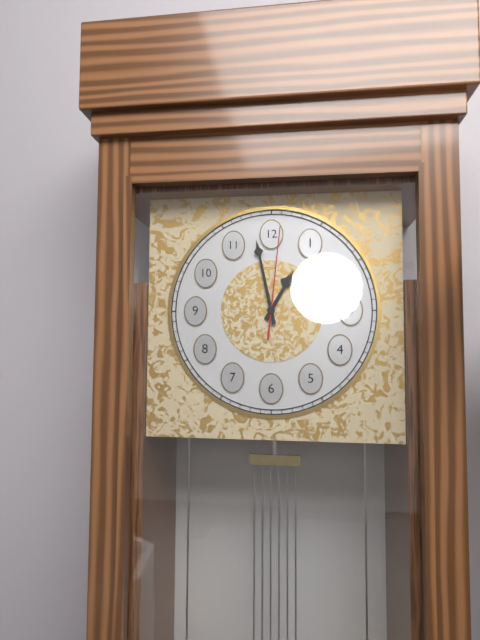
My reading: 12:58:01
